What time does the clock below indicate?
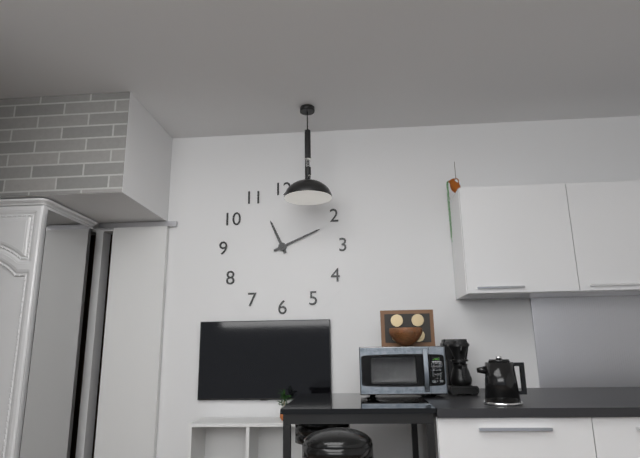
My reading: 11:11
